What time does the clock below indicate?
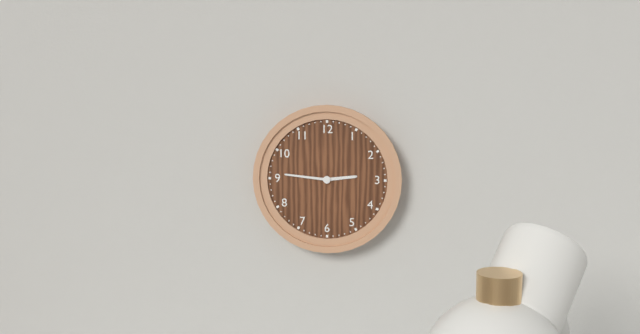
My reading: 2:46
